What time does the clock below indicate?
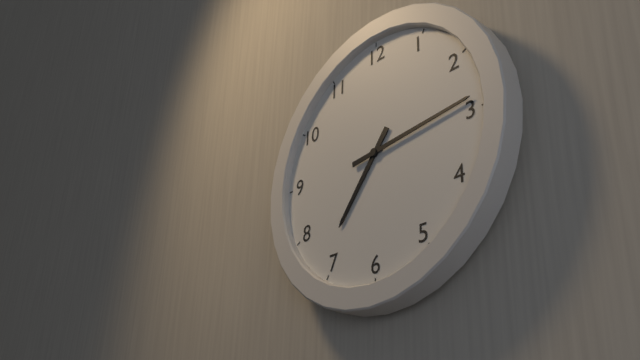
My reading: 7:14
